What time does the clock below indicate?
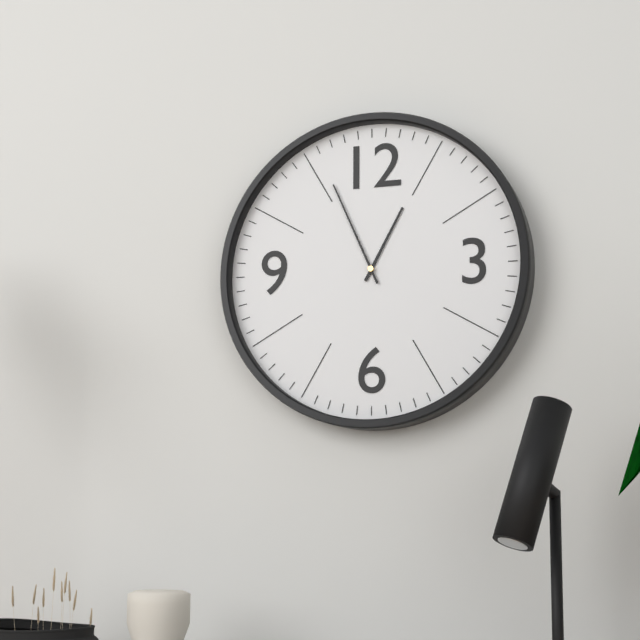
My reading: 12:56
